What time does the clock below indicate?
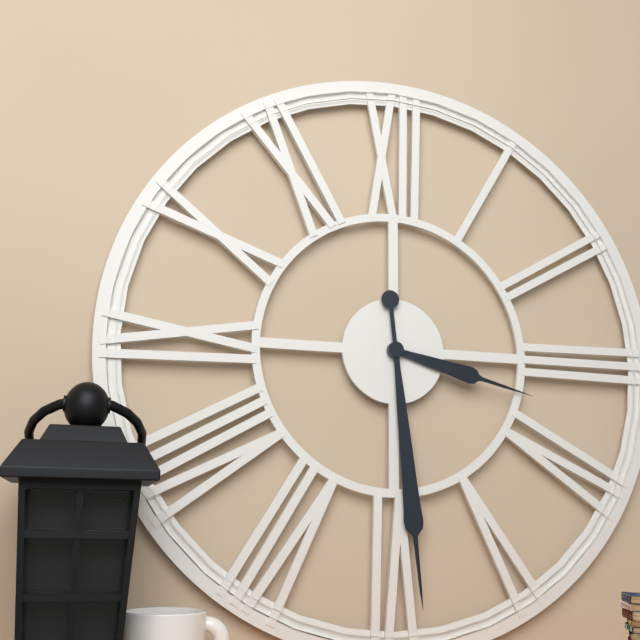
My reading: 3:29
